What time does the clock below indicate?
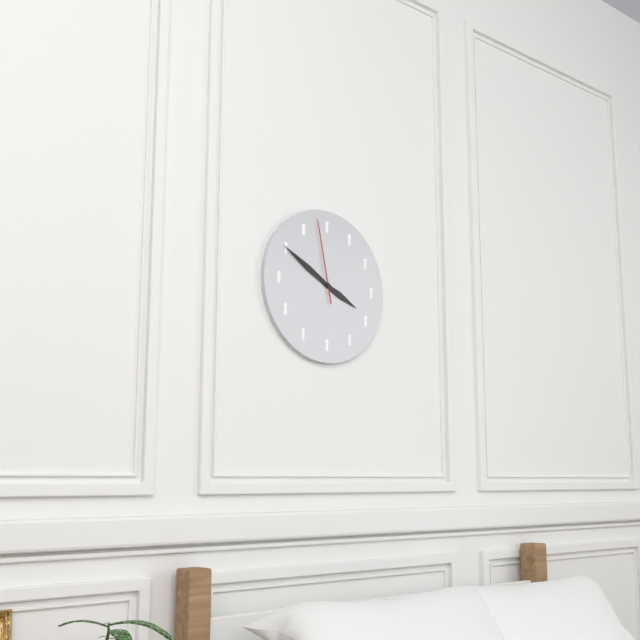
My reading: 3:50:58
